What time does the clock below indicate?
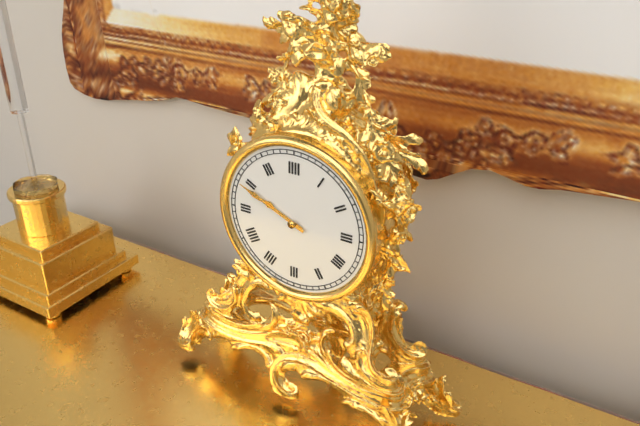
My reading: 9:49
